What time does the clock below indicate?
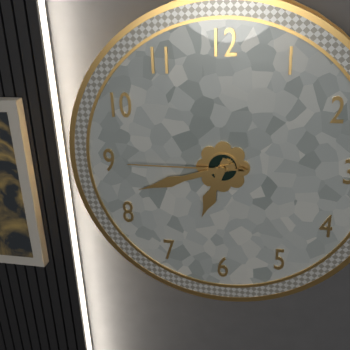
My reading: 6:42:45
